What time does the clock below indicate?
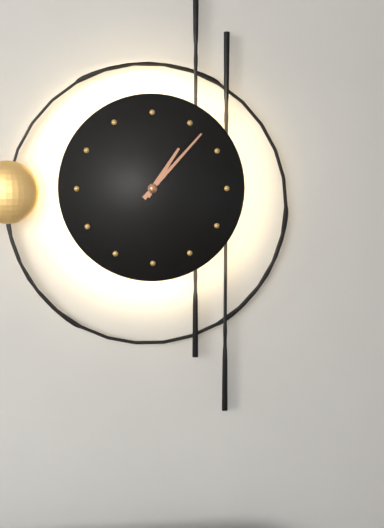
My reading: 1:07
